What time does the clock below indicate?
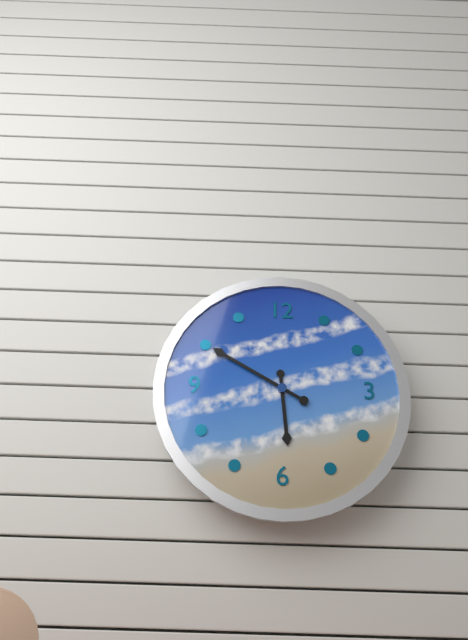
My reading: 5:50
